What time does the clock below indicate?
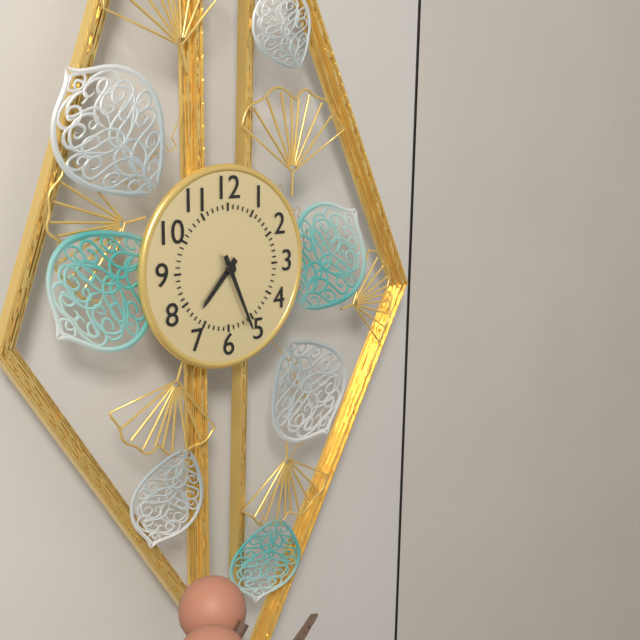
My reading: 7:26
